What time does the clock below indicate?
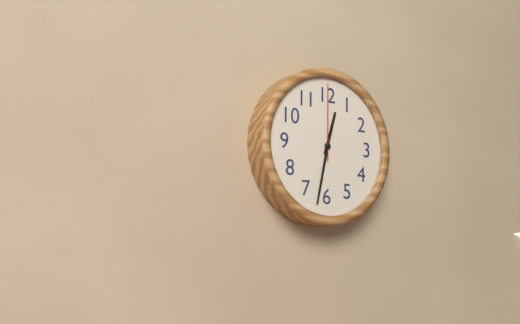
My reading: 12:32:00
